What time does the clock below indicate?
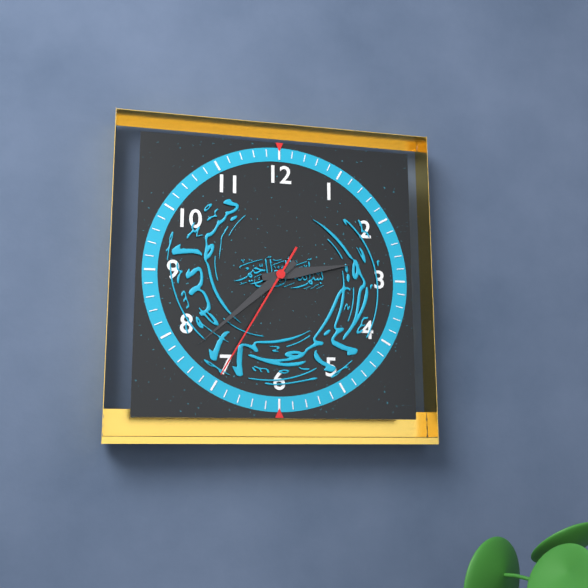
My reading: 2:38:35
